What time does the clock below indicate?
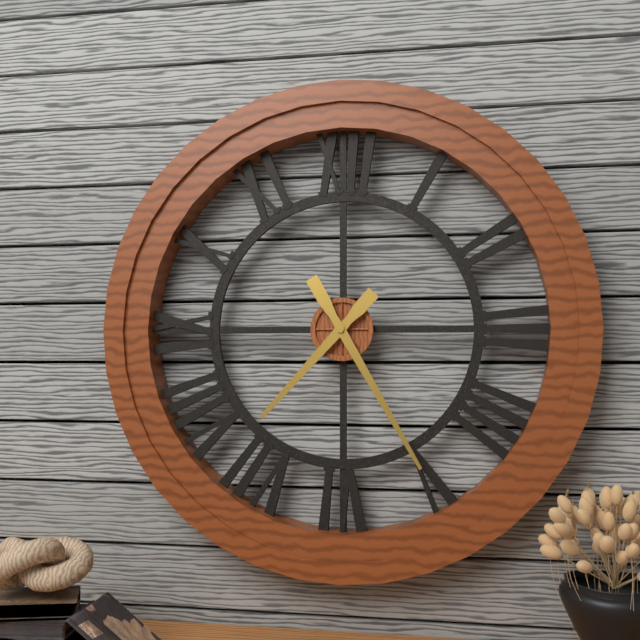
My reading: 7:25
